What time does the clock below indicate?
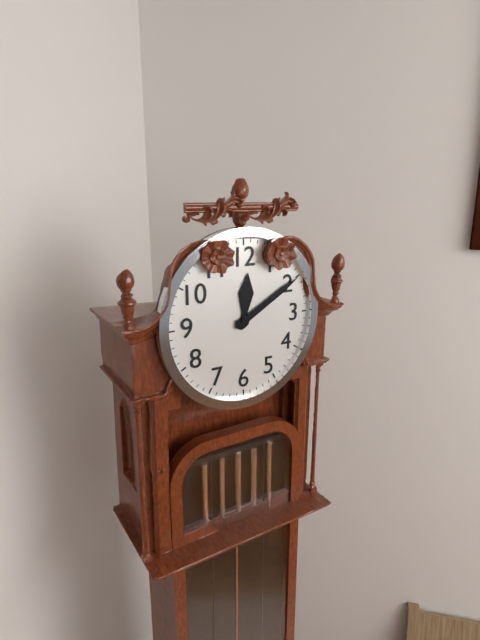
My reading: 12:10
